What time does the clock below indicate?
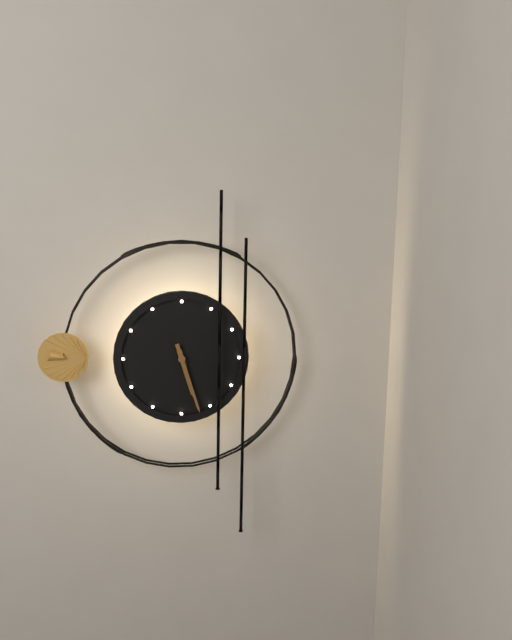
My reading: 5:27
